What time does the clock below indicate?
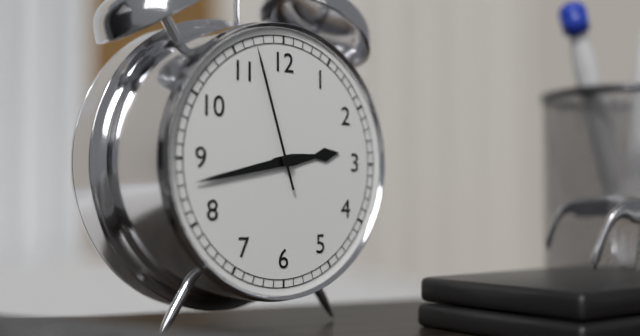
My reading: 2:43:57
